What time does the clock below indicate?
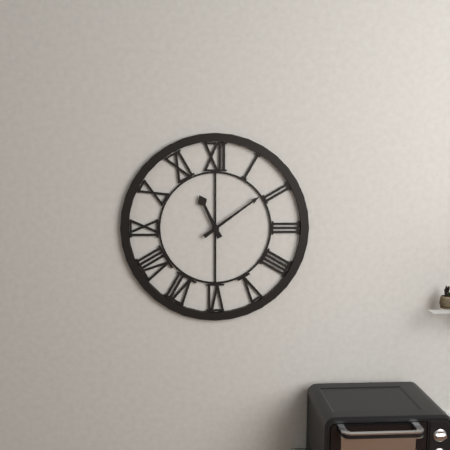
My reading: 11:09
